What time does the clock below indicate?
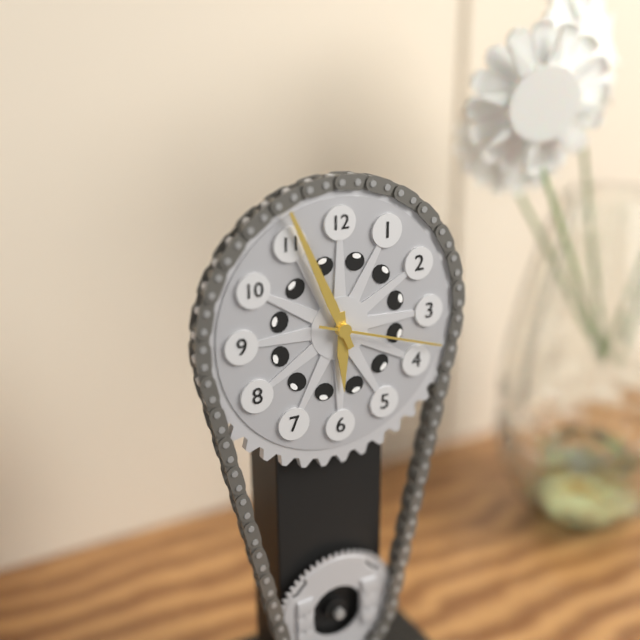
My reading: 5:56:18
